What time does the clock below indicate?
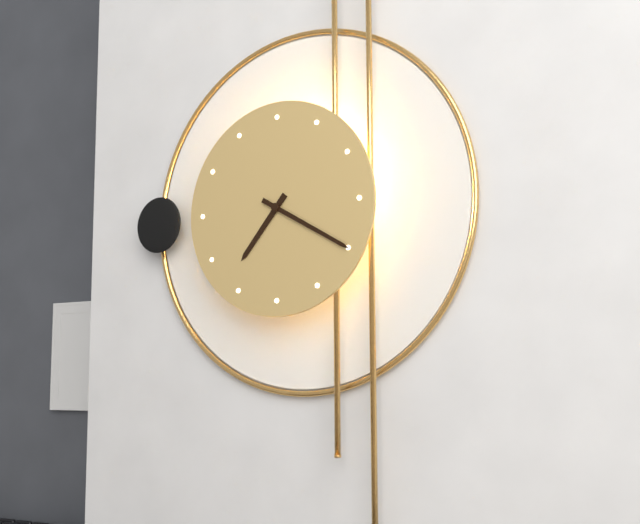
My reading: 7:20
